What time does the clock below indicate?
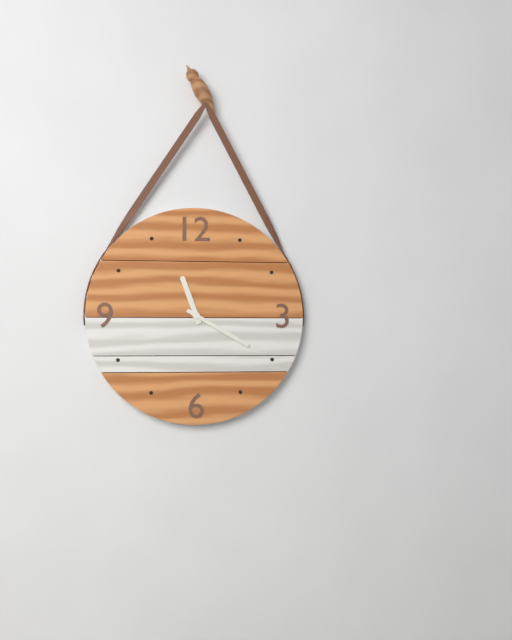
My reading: 11:20
